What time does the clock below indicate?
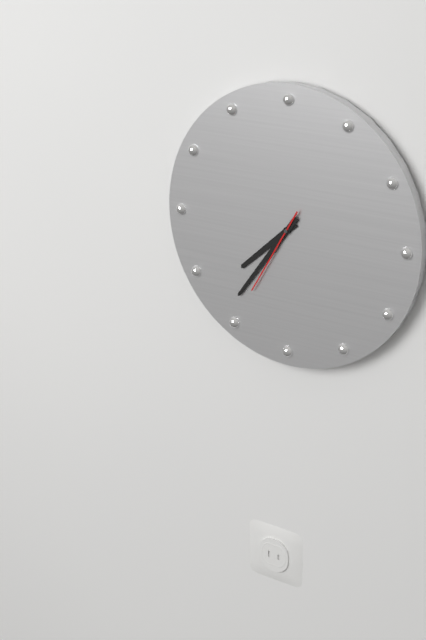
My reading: 7:36:35
